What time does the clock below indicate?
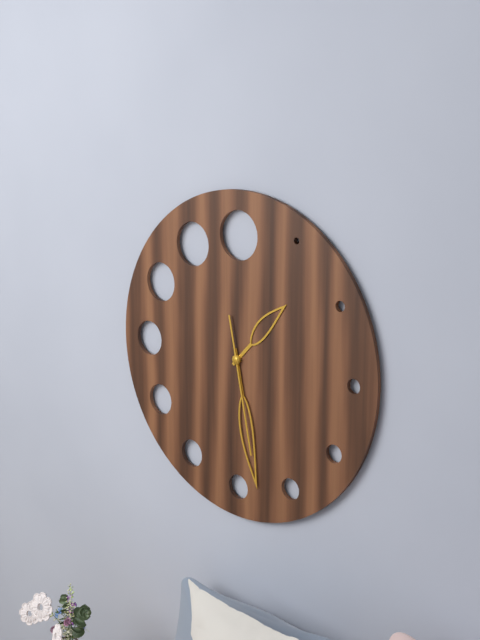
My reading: 1:28:28
